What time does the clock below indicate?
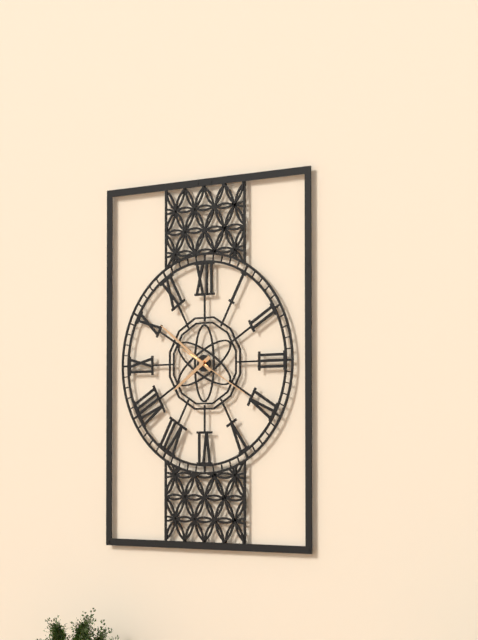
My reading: 7:51:20
